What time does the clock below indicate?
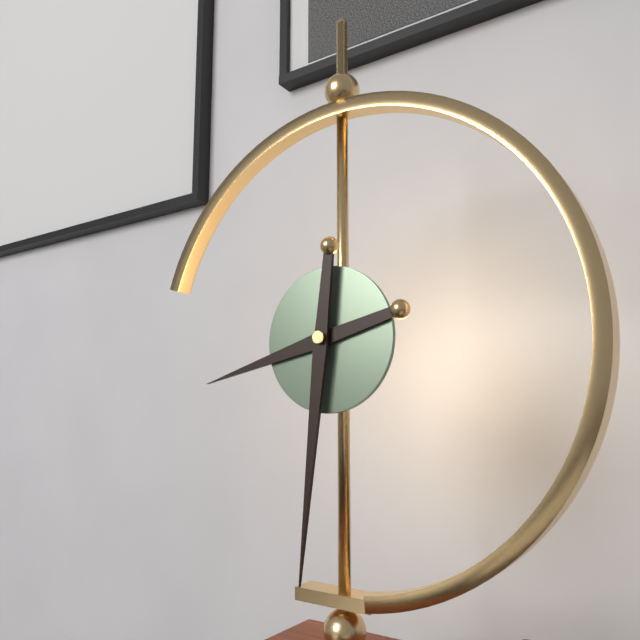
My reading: 8:31
